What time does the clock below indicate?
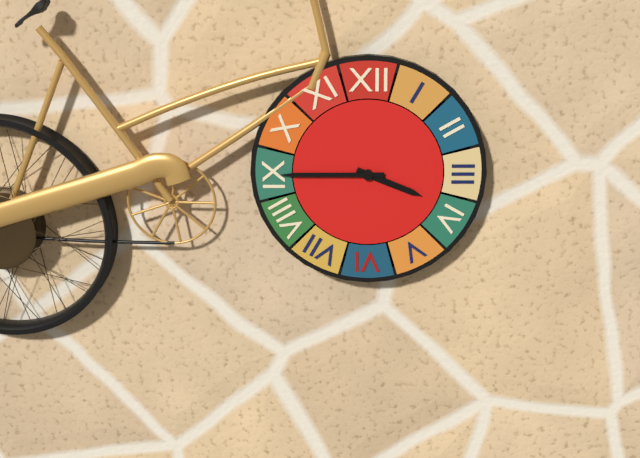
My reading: 3:45
